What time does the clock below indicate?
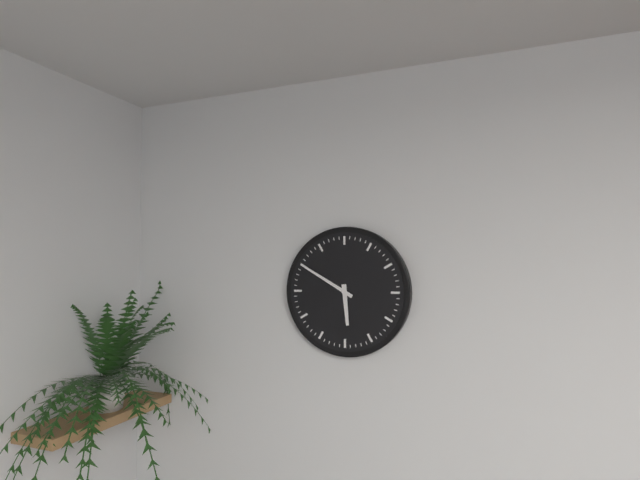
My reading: 5:50
